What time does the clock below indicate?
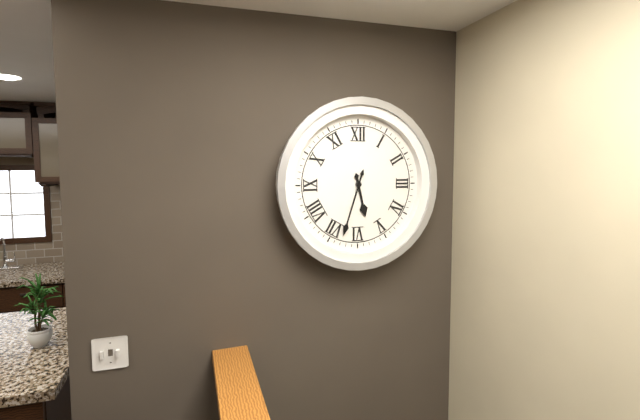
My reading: 5:33
